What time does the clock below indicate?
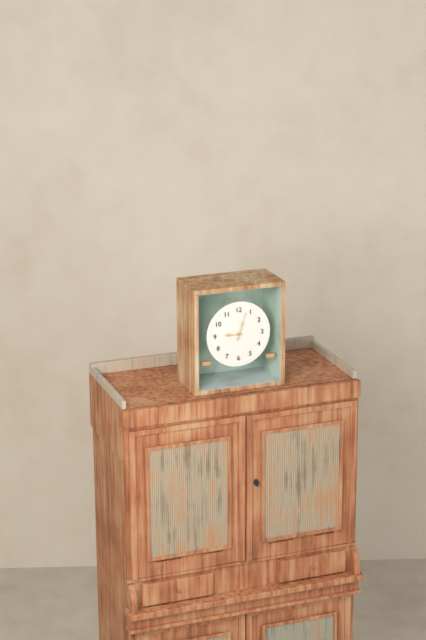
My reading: 9:03
